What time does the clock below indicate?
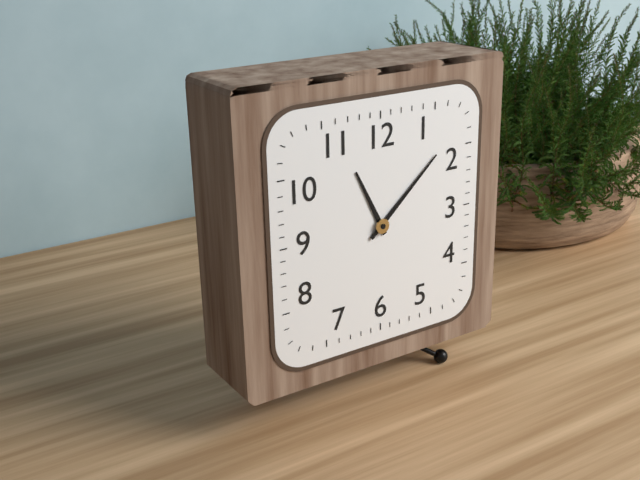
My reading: 11:08
